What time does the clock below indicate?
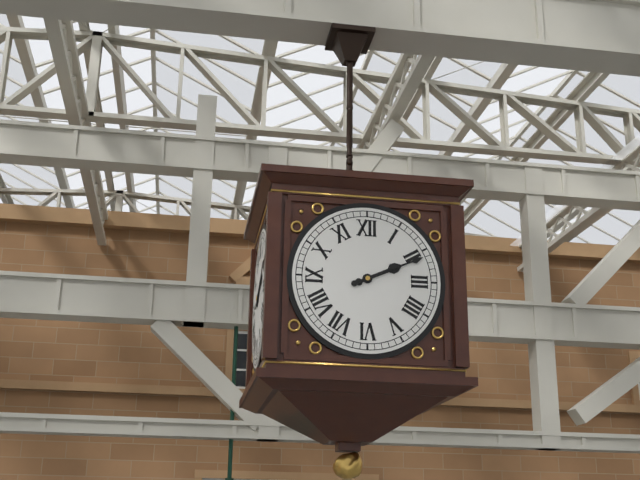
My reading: 2:11
